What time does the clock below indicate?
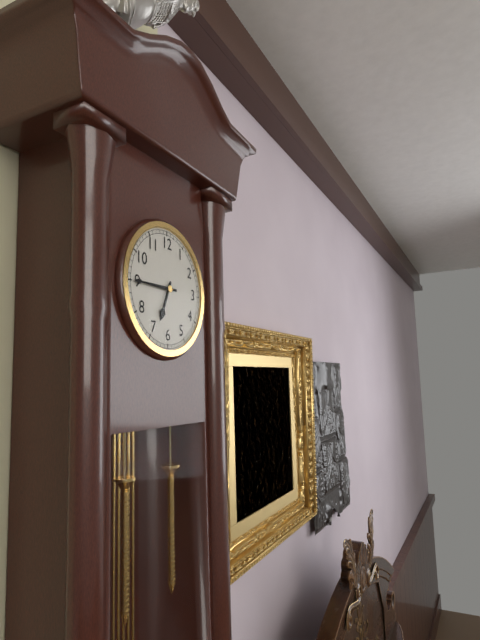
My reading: 6:45
